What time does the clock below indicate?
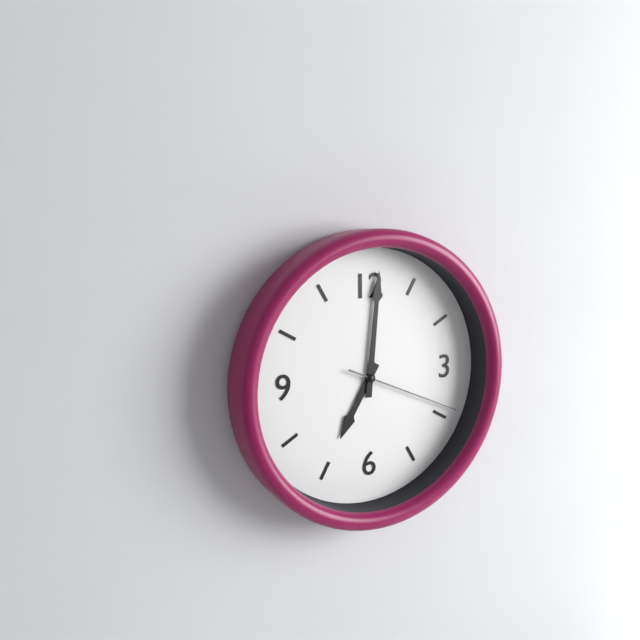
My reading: 7:01:19
